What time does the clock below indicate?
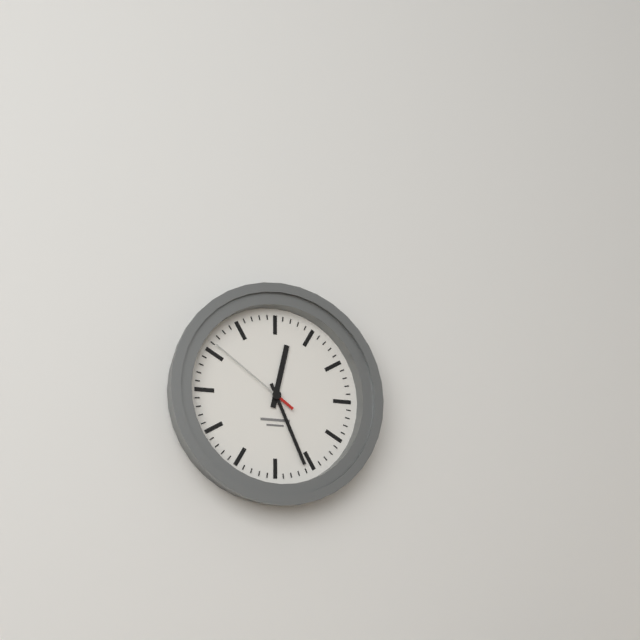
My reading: 12:26:51
